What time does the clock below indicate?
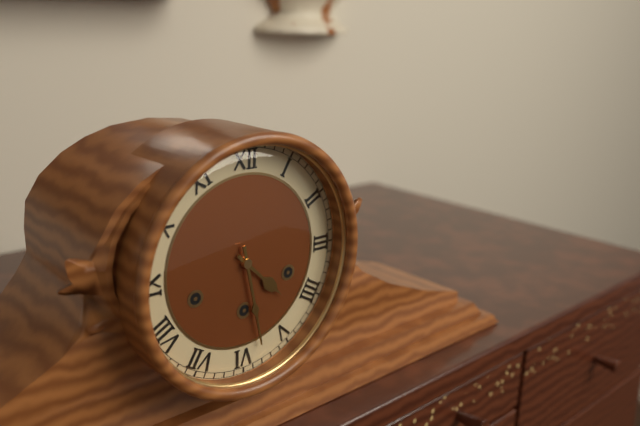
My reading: 4:28
